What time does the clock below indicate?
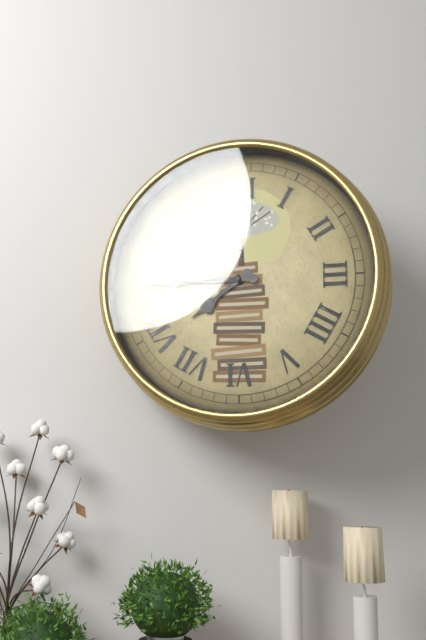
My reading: 7:45
